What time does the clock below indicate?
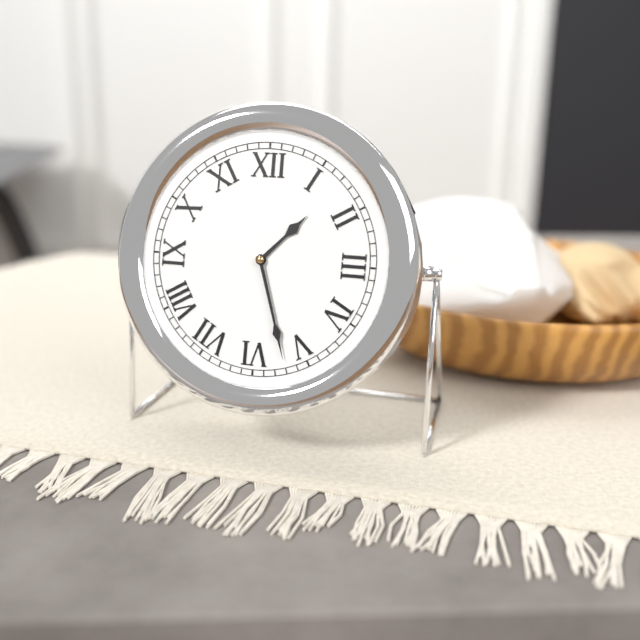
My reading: 1:27
